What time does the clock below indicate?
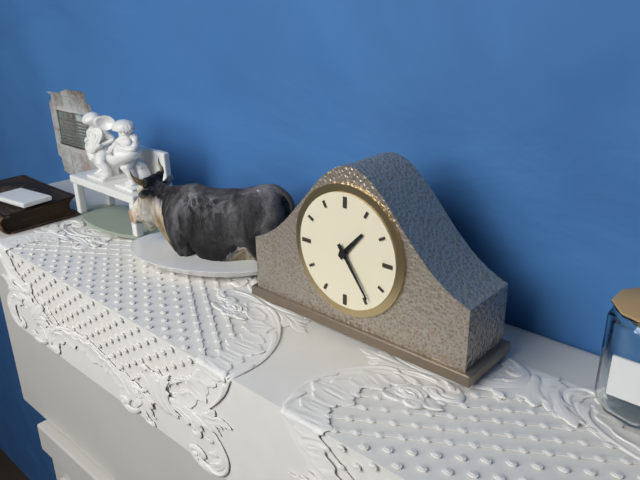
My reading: 1:24
